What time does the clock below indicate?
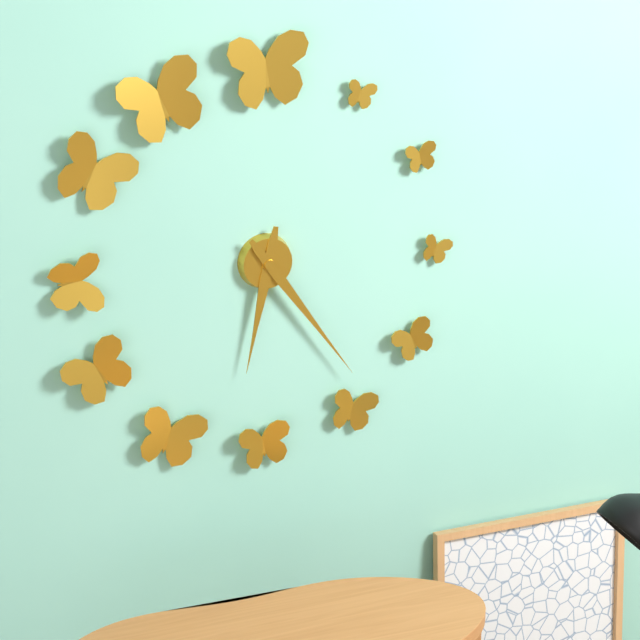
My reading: 6:24
